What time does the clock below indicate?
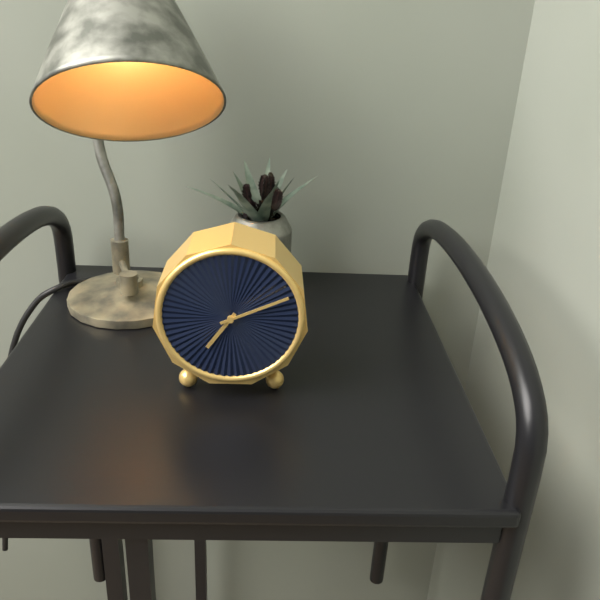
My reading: 7:11
